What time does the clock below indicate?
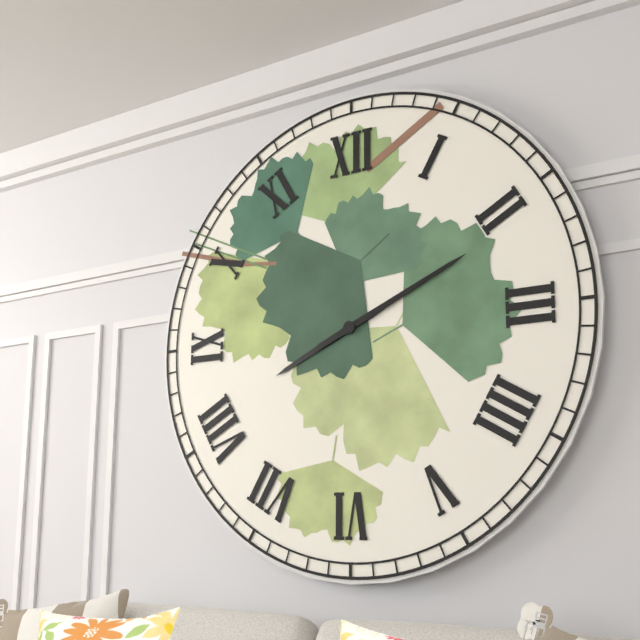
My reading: 8:11
